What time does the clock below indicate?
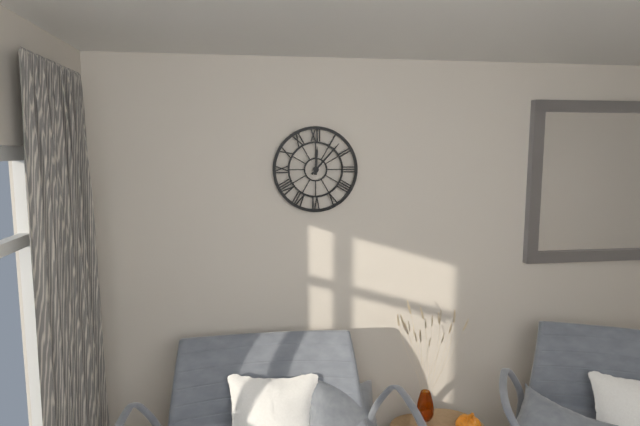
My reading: 12:07
